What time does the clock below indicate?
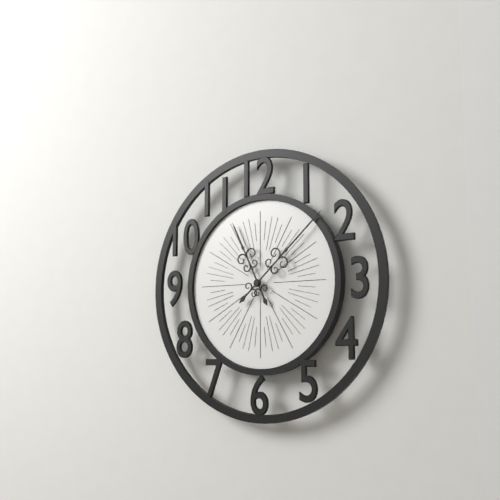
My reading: 11:08
